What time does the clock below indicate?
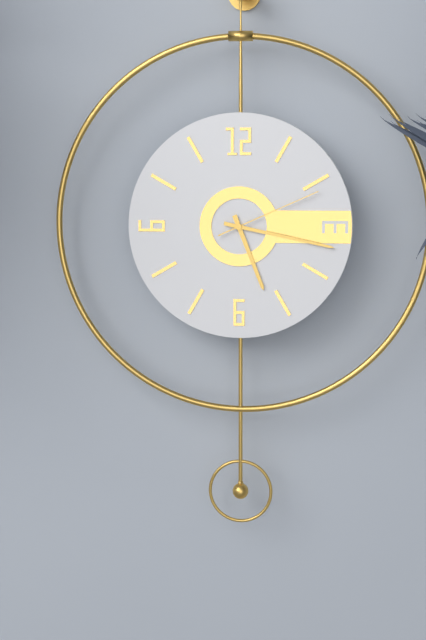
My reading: 5:17:11
